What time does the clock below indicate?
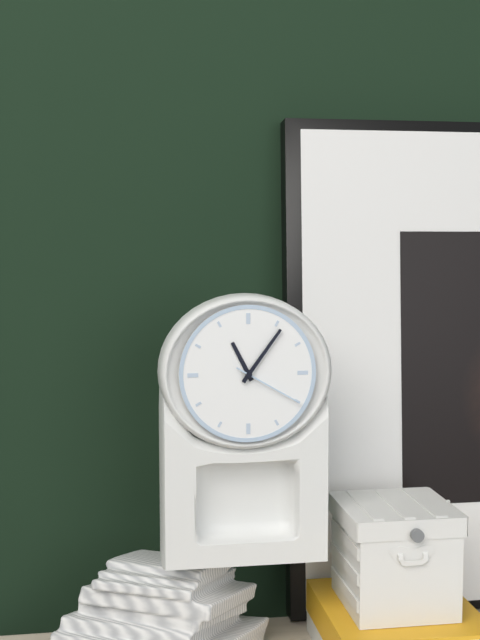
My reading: 11:06:20
